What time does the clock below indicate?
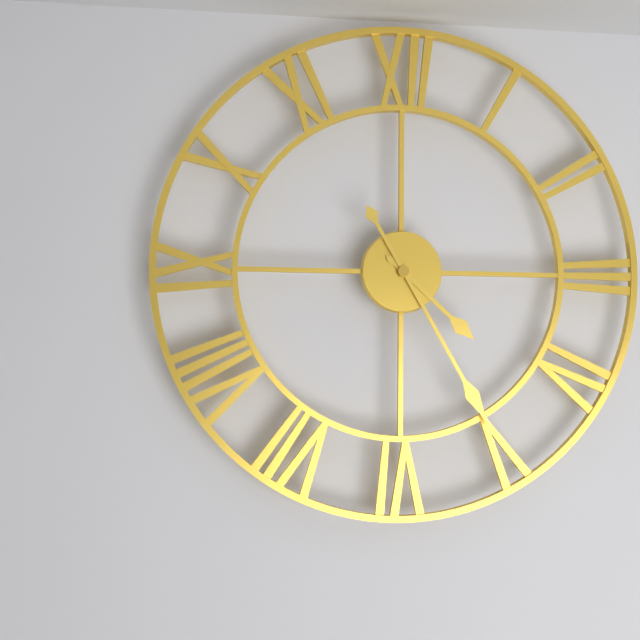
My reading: 4:25
